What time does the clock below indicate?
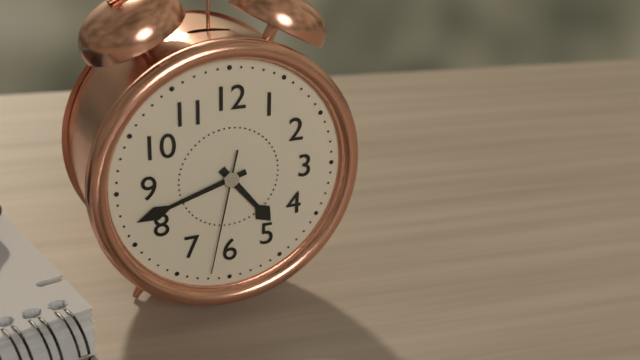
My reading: 4:42:32
